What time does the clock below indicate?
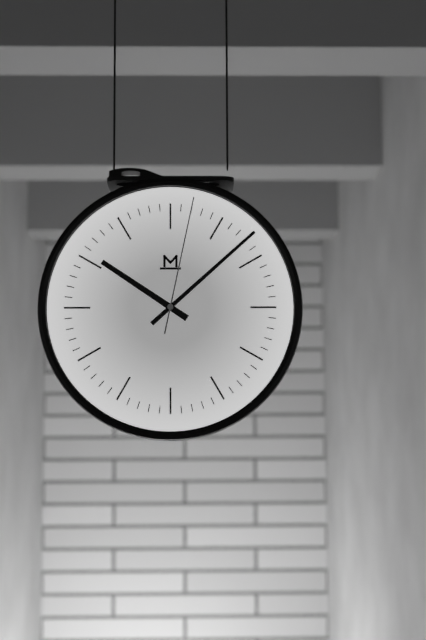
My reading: 10:08:02
